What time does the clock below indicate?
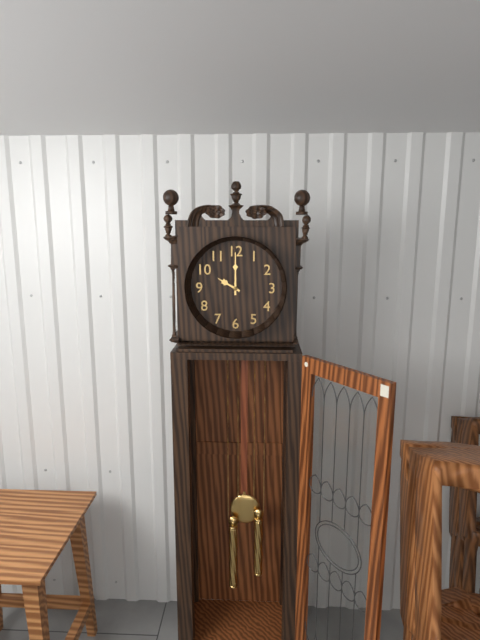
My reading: 10:00
